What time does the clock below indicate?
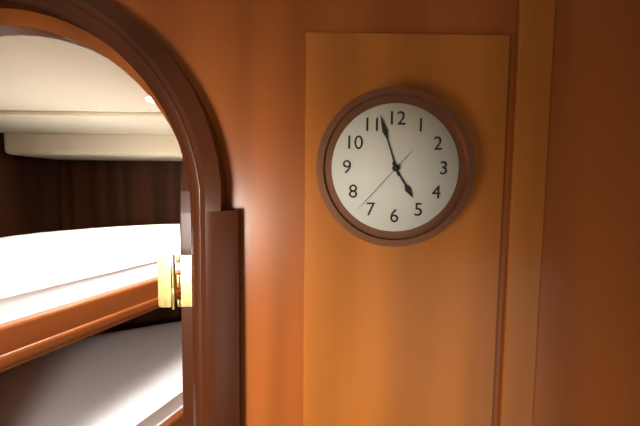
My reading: 4:57:37
